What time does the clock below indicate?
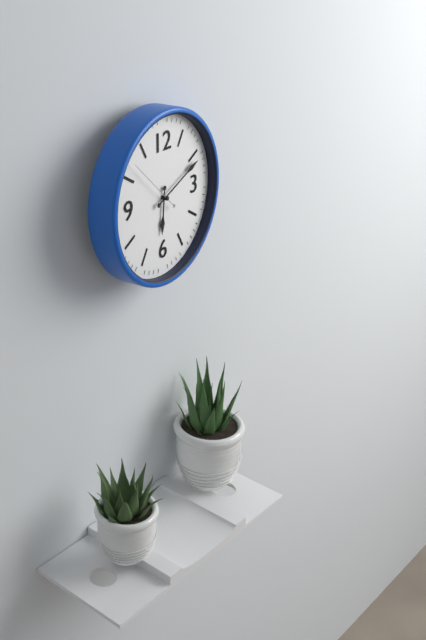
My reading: 6:11:52
